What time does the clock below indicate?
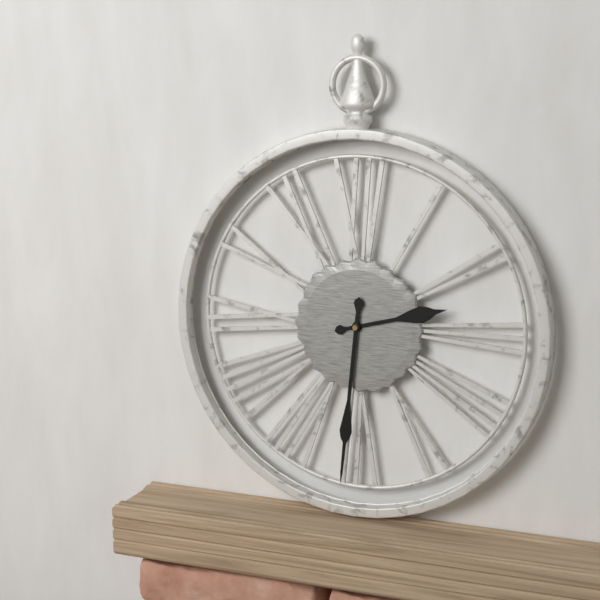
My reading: 2:31
